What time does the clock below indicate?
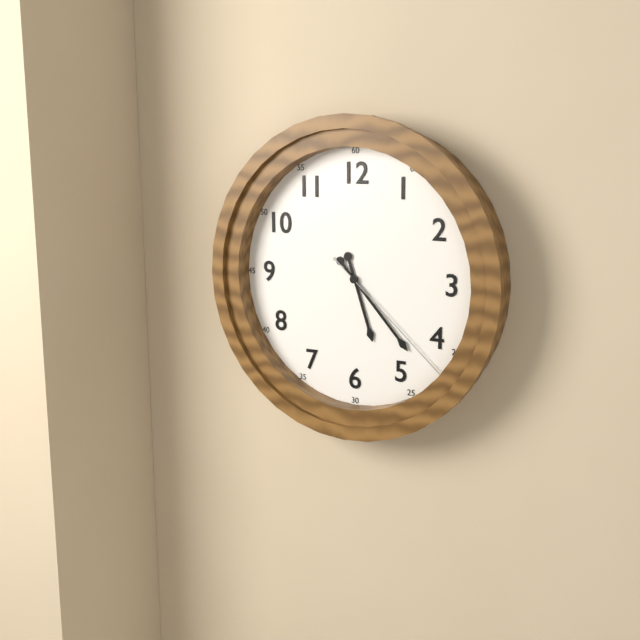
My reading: 5:23:22
